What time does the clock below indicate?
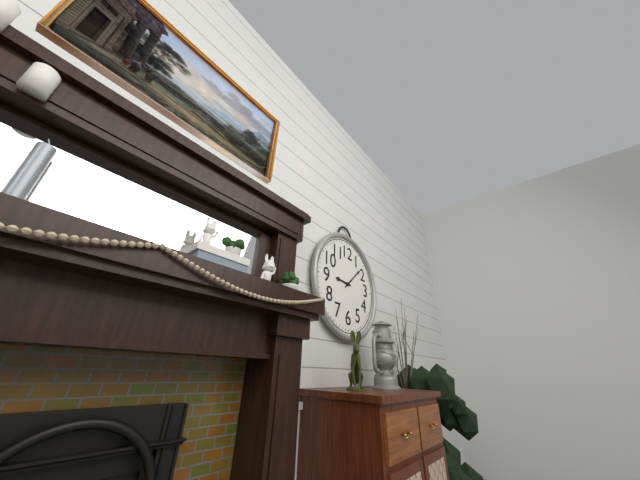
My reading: 9:08
